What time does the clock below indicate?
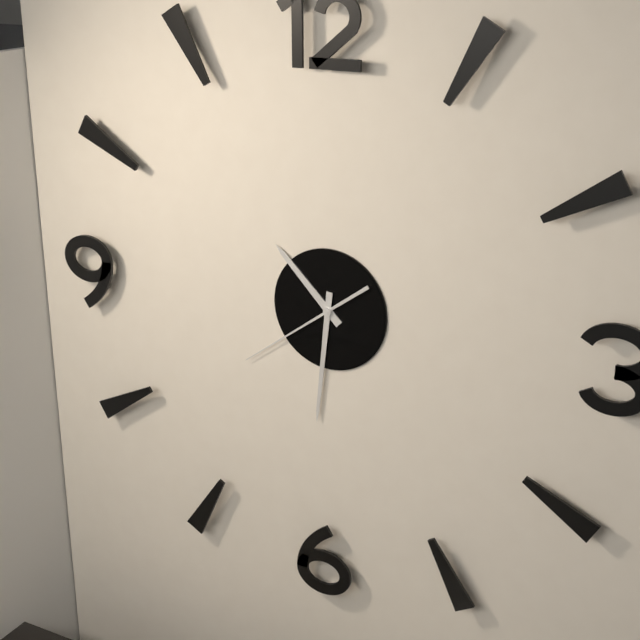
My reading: 10:31:39
